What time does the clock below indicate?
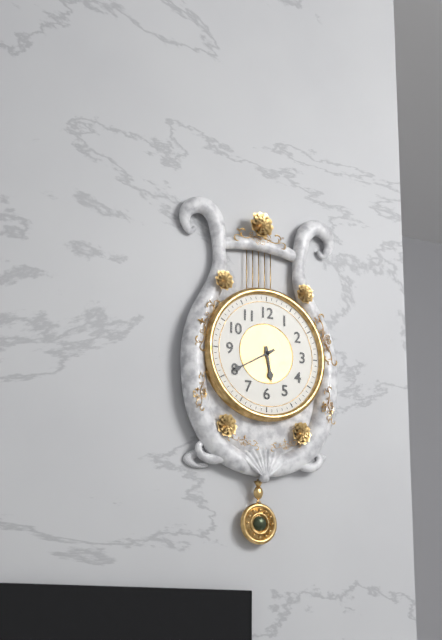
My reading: 5:40
